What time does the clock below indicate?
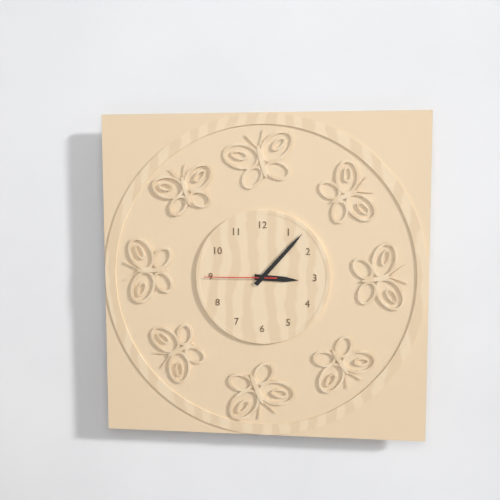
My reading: 3:07:45
